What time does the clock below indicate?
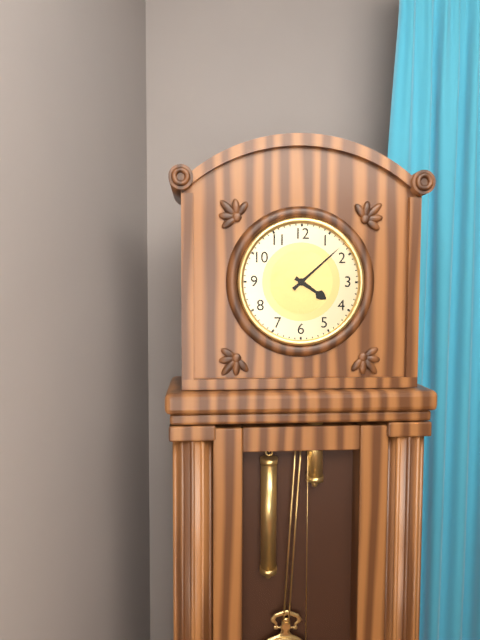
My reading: 4:08
